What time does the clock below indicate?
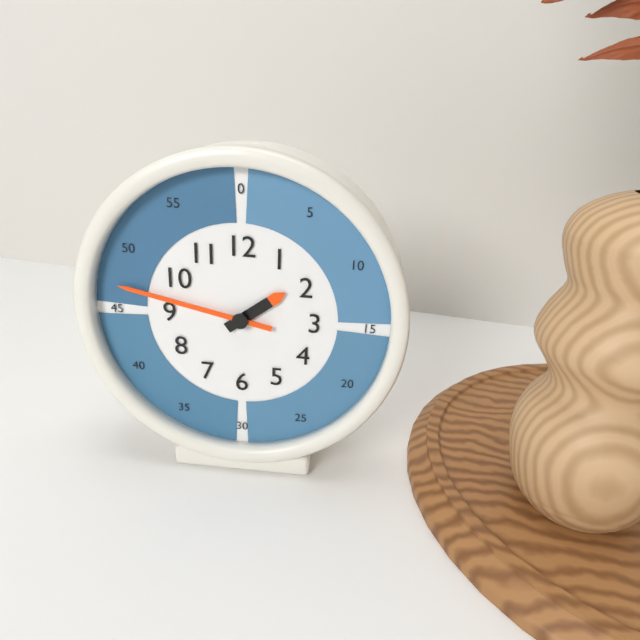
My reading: 1:47
